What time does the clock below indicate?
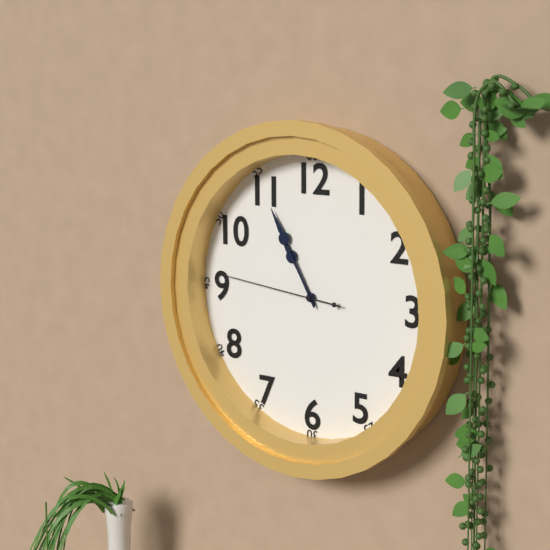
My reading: 10:55:46
